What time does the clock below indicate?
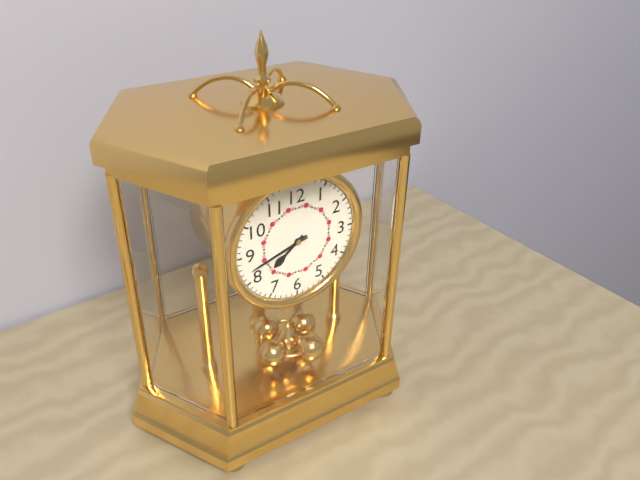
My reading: 7:42
